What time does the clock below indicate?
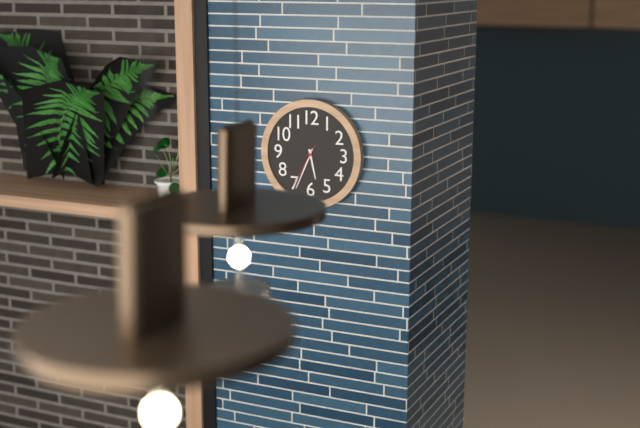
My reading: 5:34
